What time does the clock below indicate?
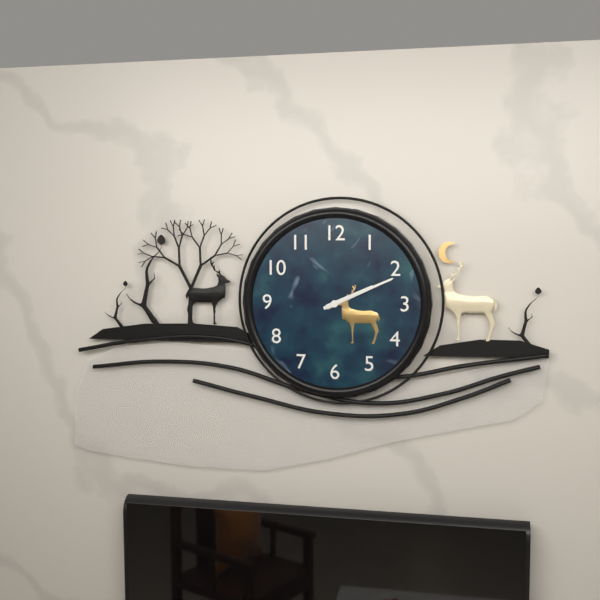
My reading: 2:11
